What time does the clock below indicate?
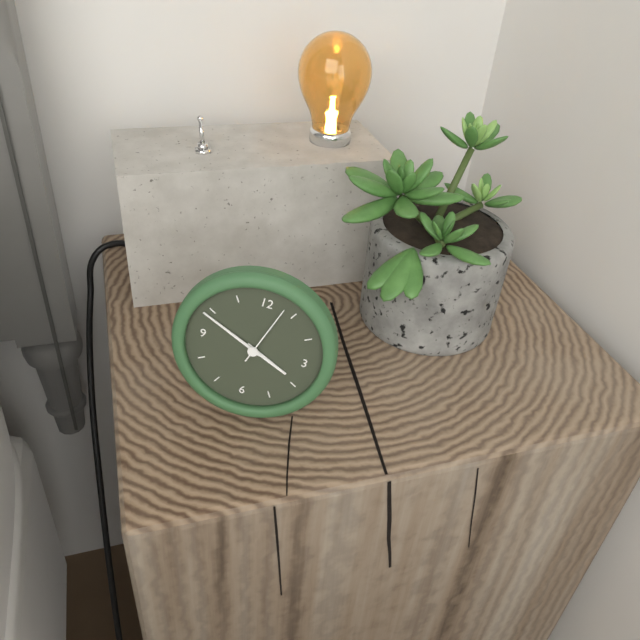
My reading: 3:49:03
